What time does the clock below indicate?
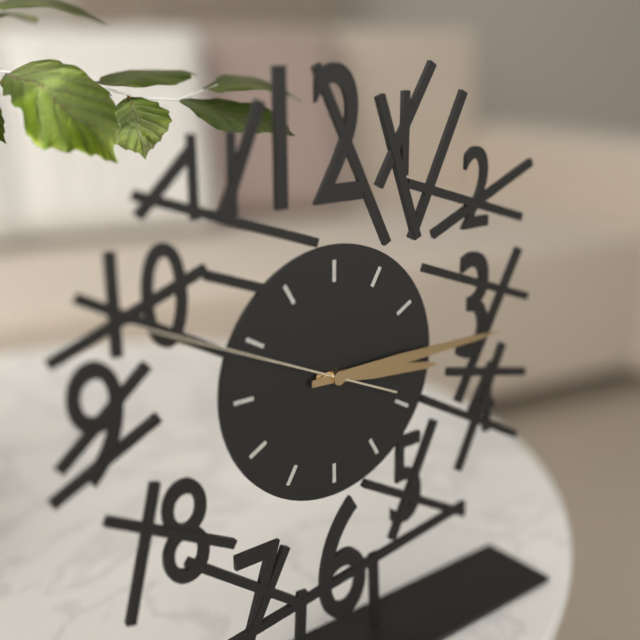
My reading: 3:15:49
